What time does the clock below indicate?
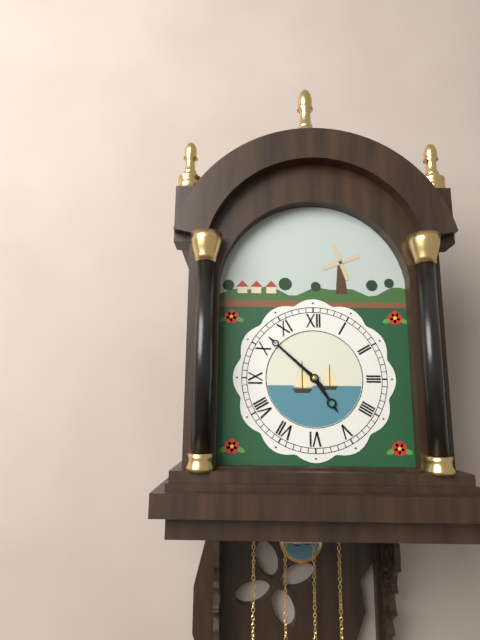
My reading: 4:52
